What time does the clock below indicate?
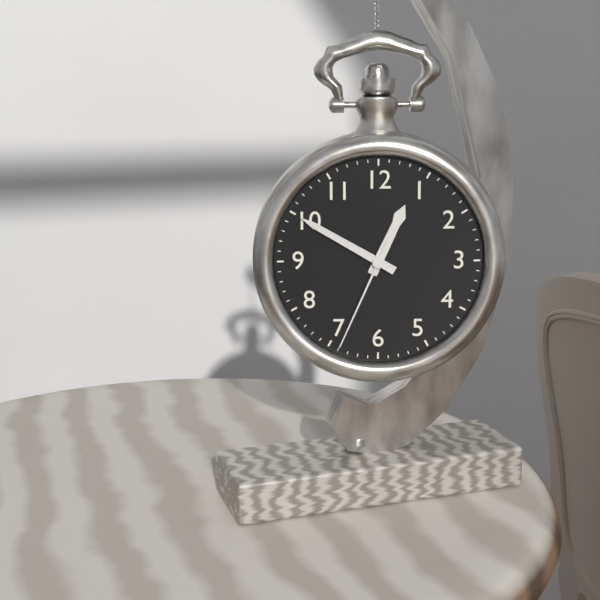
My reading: 12:50:34
